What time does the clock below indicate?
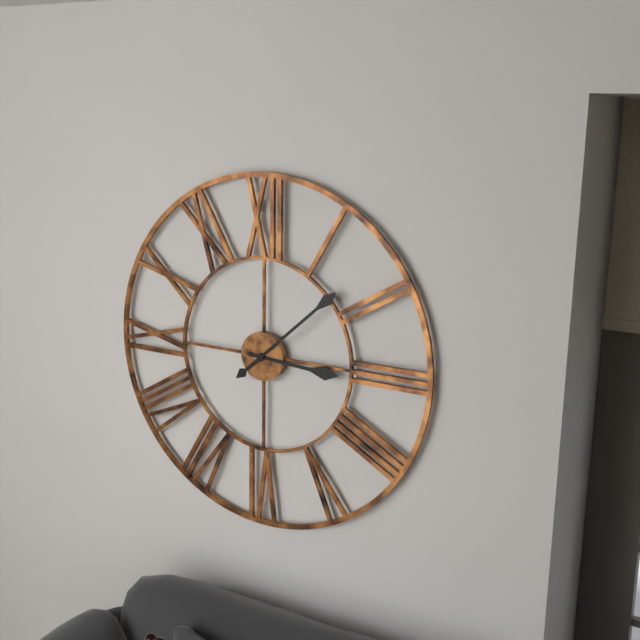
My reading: 3:08
